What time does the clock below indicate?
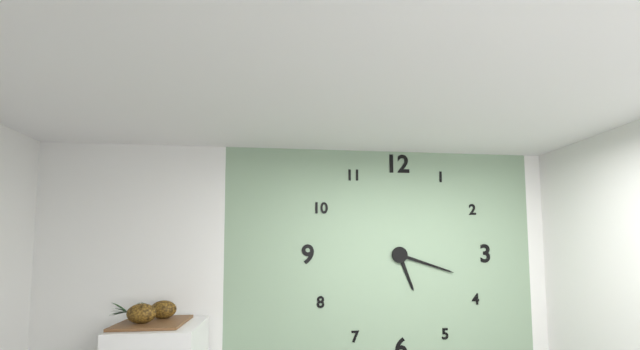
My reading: 5:18
